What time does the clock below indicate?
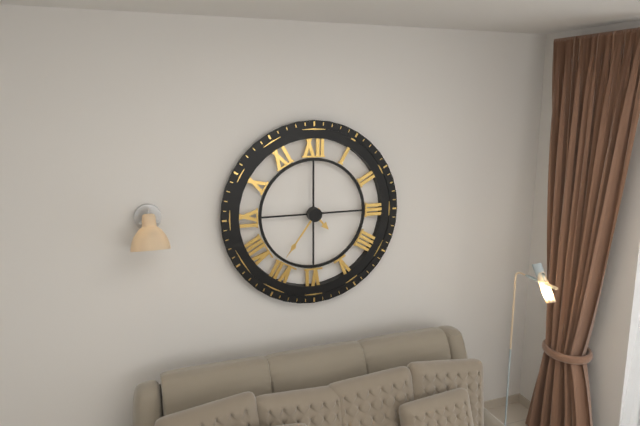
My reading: 4:36
